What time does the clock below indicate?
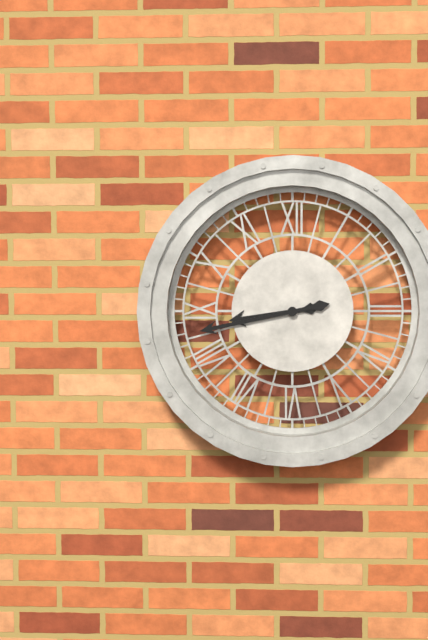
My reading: 8:43
